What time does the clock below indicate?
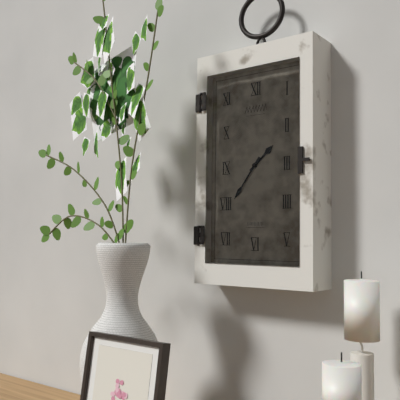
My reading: 1:36
